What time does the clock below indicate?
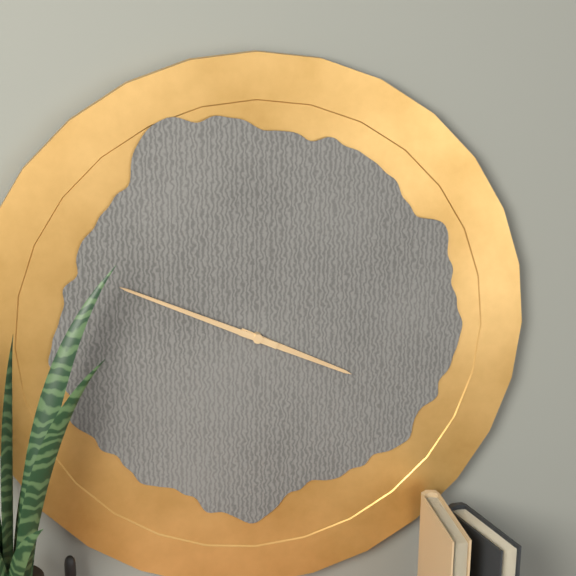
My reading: 3:49
